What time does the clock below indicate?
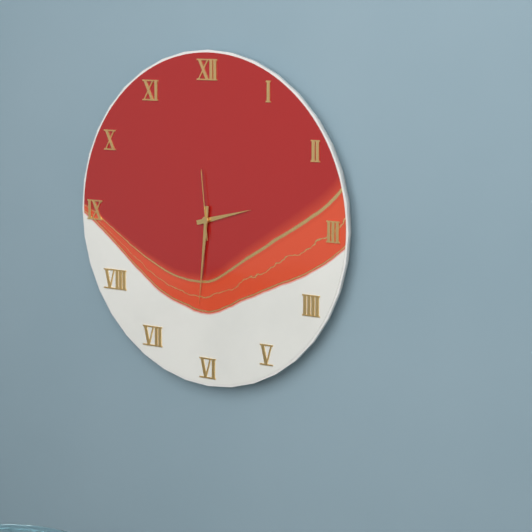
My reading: 2:31:59
